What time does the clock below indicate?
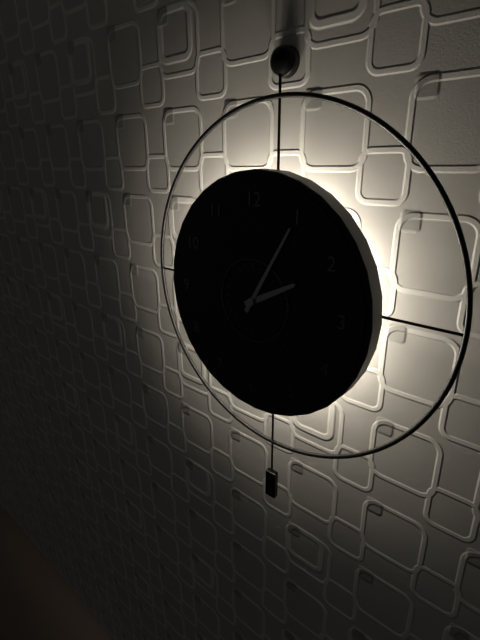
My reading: 2:05
